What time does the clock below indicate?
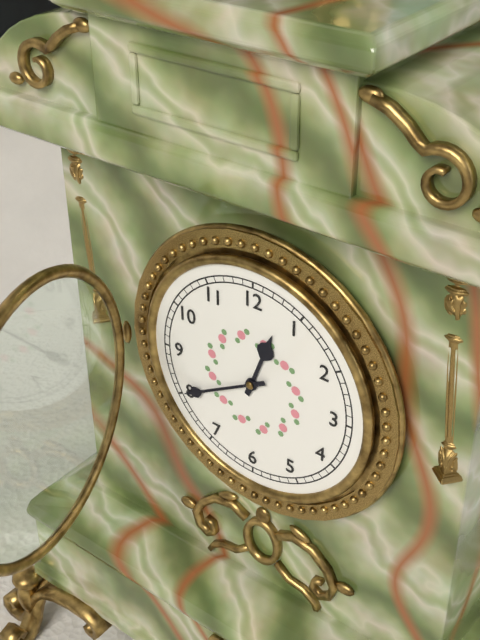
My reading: 12:40
